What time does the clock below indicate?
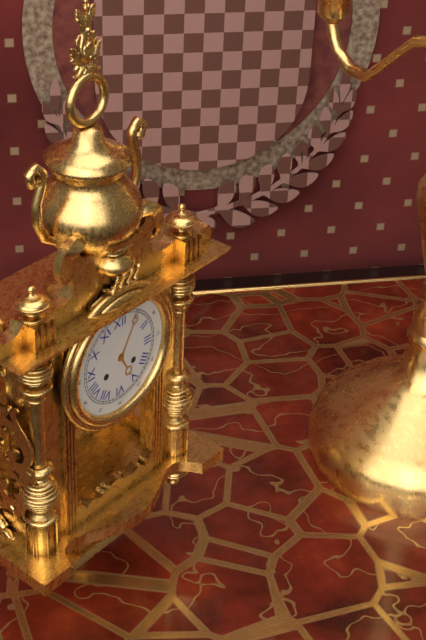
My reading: 5:05
